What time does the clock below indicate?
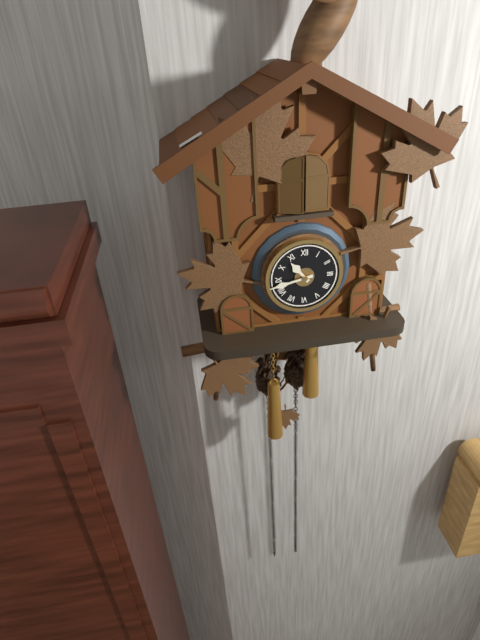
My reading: 10:43
